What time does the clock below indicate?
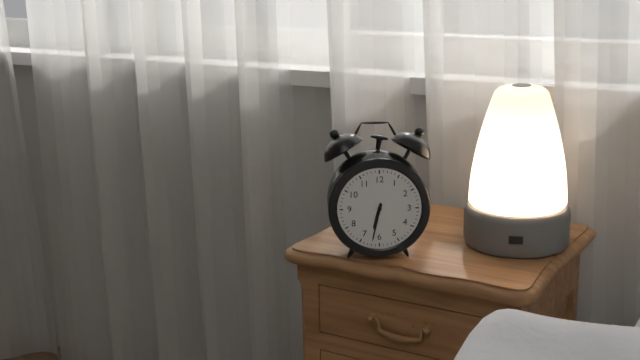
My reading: 6:32
